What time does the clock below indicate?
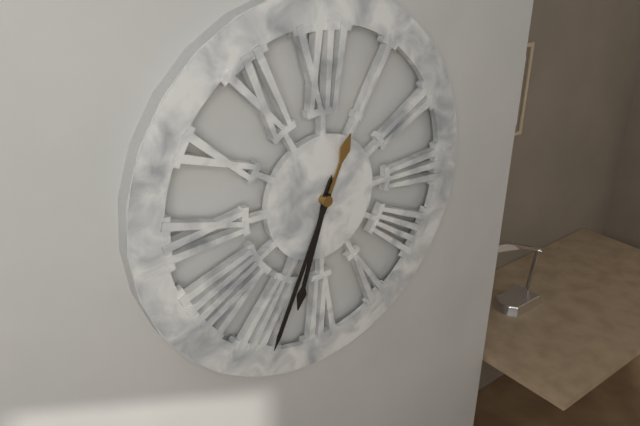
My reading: 6:34
